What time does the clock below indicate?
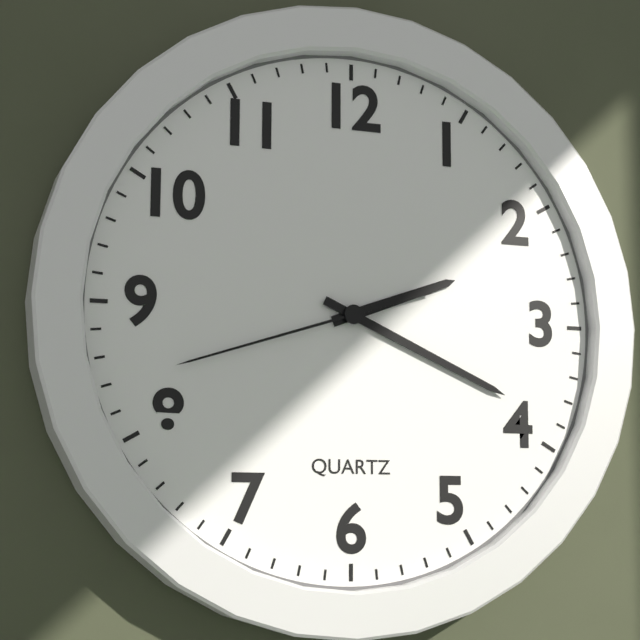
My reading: 2:19:42
